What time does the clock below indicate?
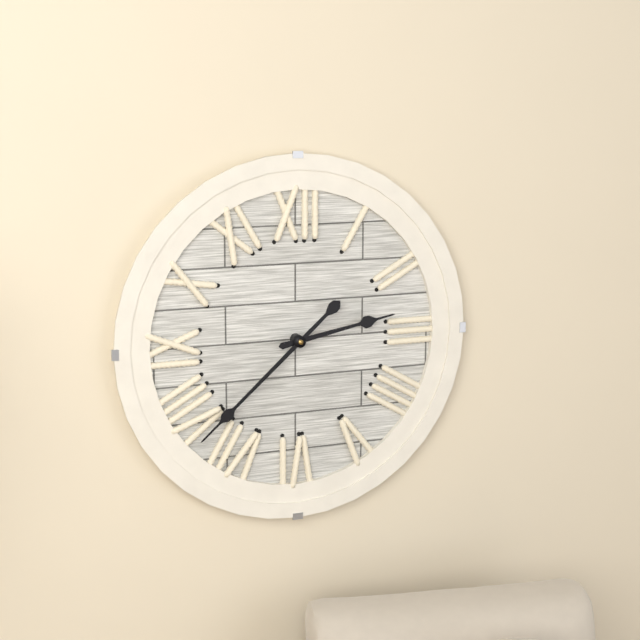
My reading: 2:38
